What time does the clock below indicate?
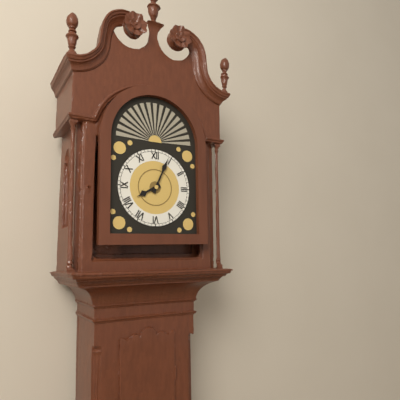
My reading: 8:04
